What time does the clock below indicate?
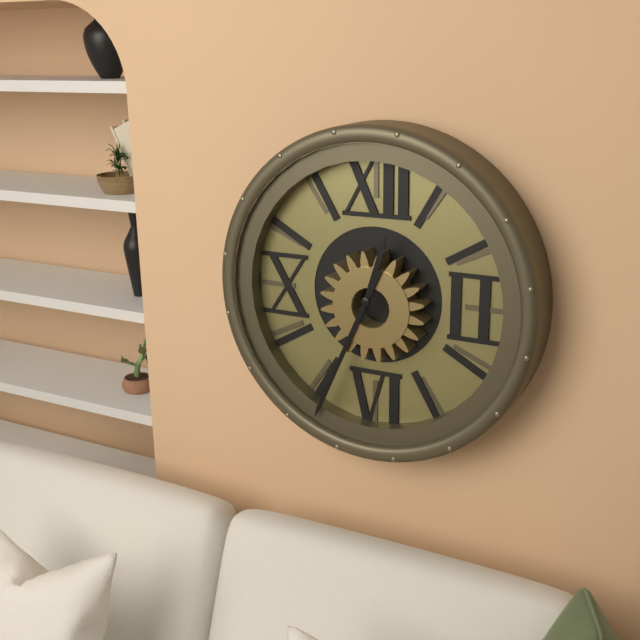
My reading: 12:34
